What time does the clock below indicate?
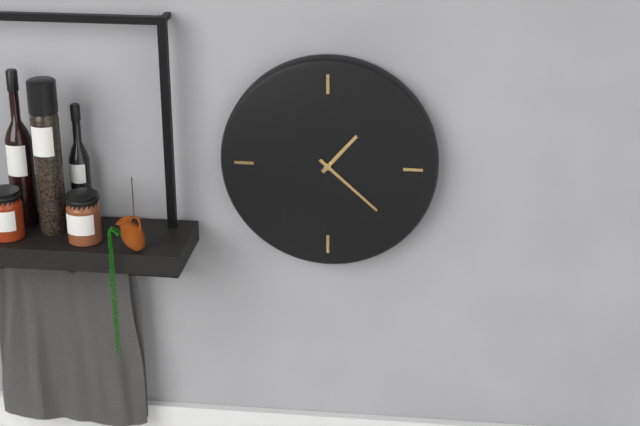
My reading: 1:22
